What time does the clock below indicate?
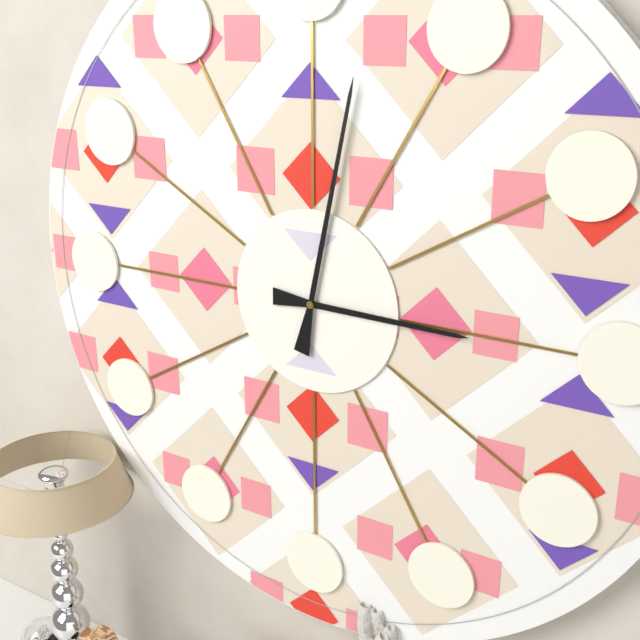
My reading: 3:02
